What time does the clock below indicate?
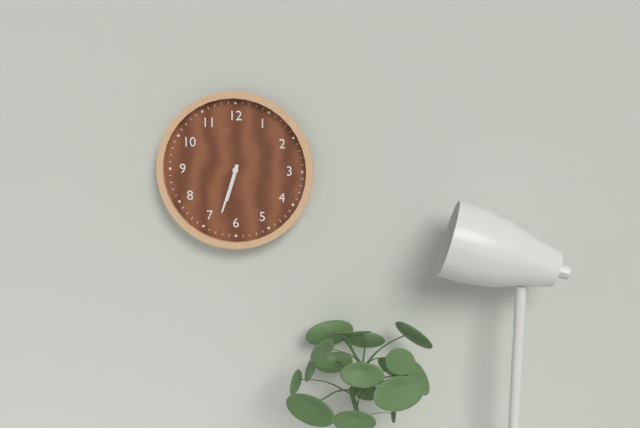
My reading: 6:33
